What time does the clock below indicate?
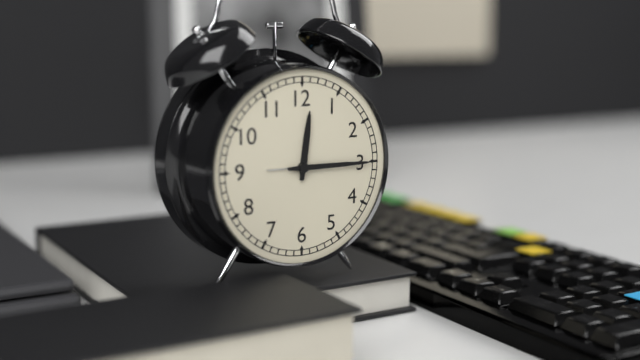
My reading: 12:15
